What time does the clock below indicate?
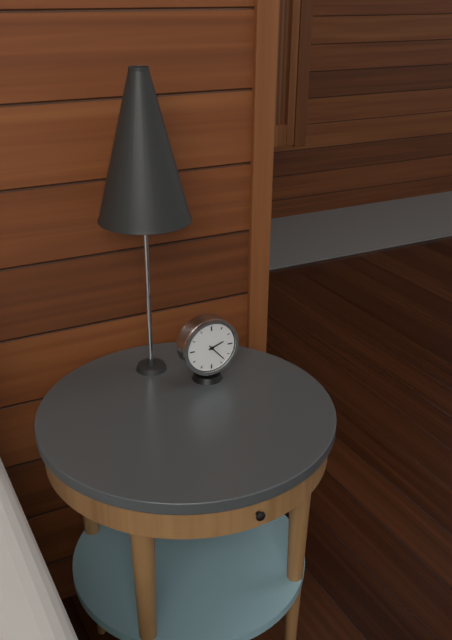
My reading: 2:23
